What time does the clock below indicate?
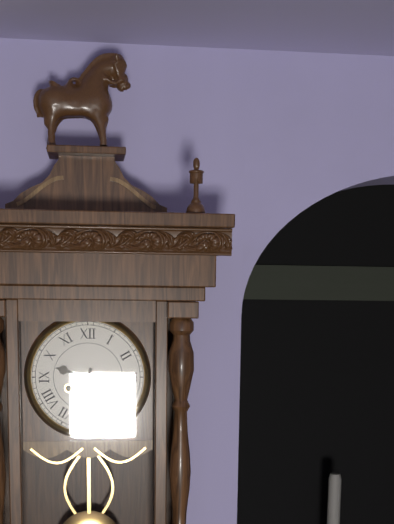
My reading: 9:33
